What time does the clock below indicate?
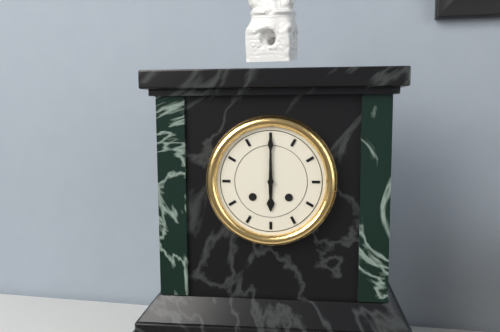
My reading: 6:00
